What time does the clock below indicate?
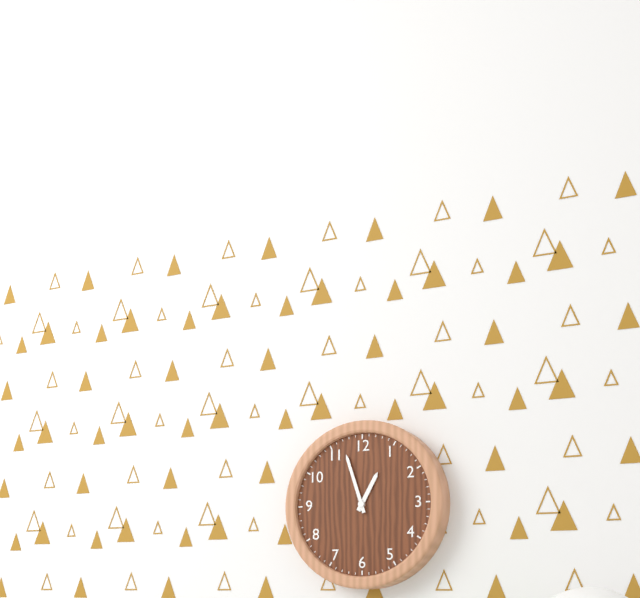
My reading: 12:57
